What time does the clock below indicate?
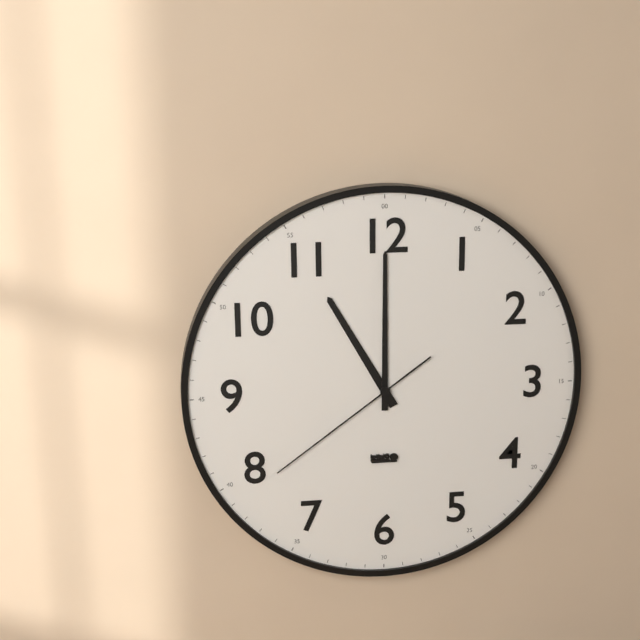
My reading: 11:00:39
